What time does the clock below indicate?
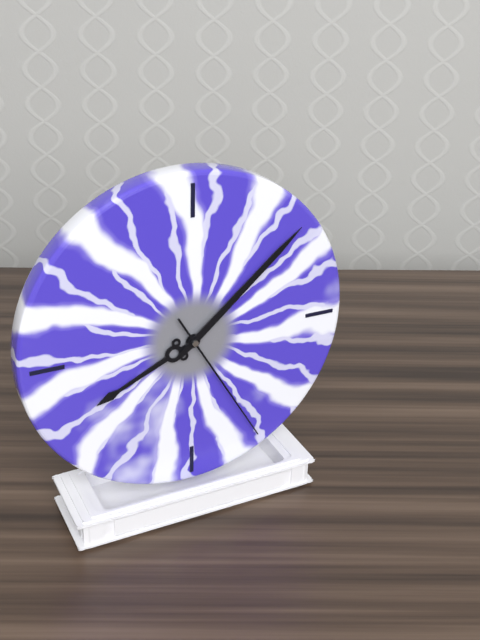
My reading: 8:08:25
